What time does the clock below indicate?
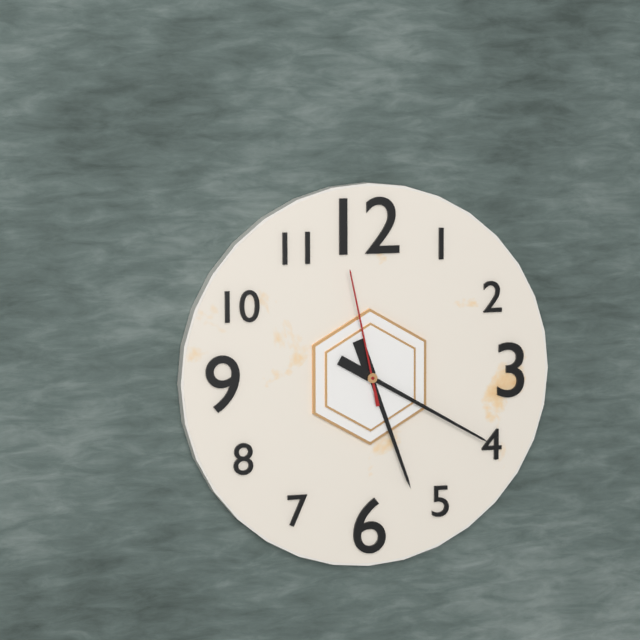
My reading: 5:20:58
